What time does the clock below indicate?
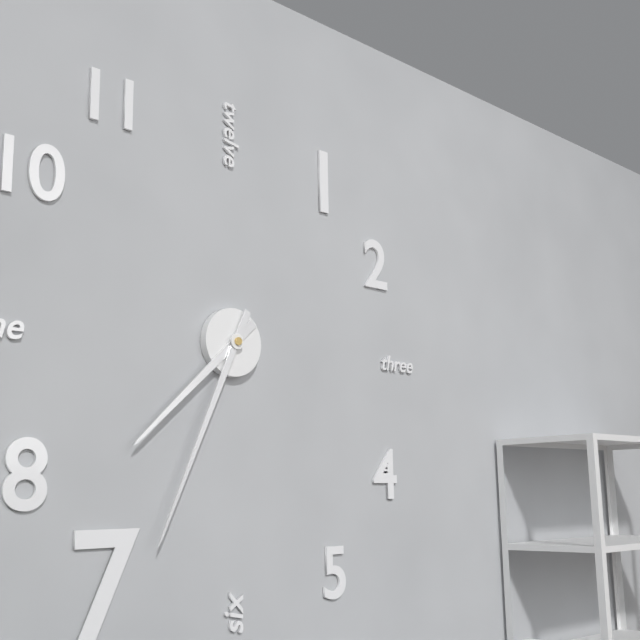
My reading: 7:34
